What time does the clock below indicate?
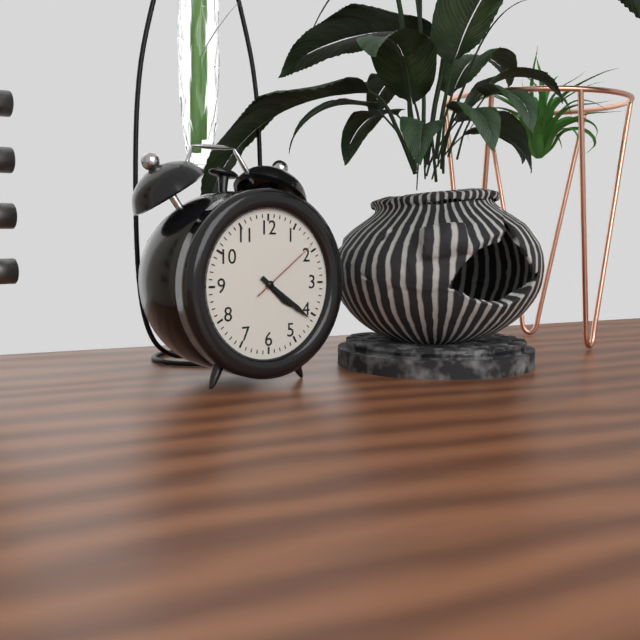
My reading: 4:21:09
